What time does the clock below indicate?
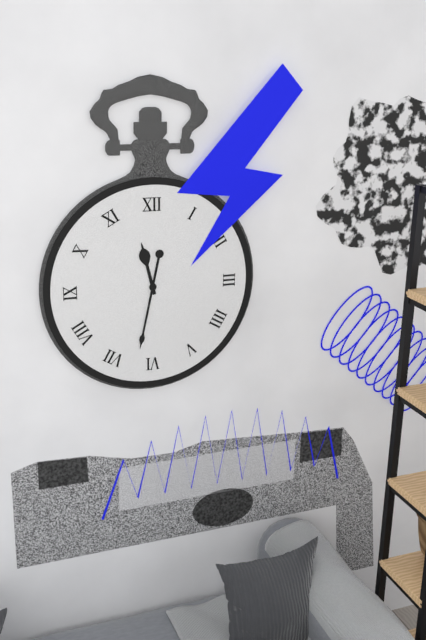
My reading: 11:32
